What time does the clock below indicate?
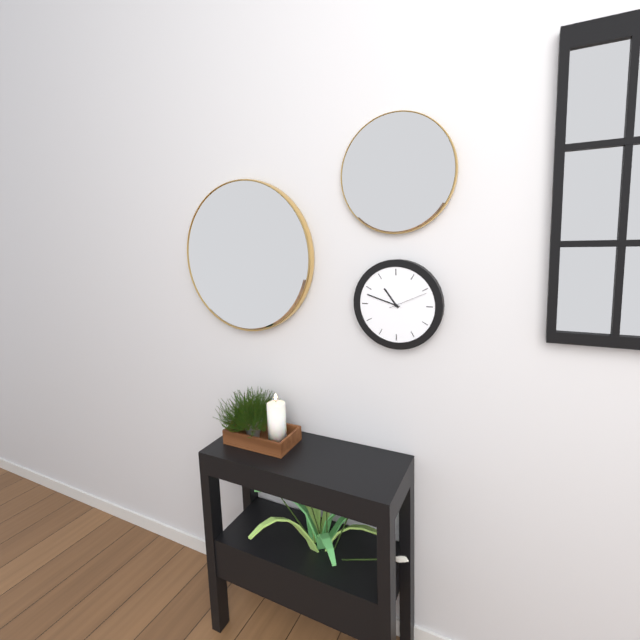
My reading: 10:48
